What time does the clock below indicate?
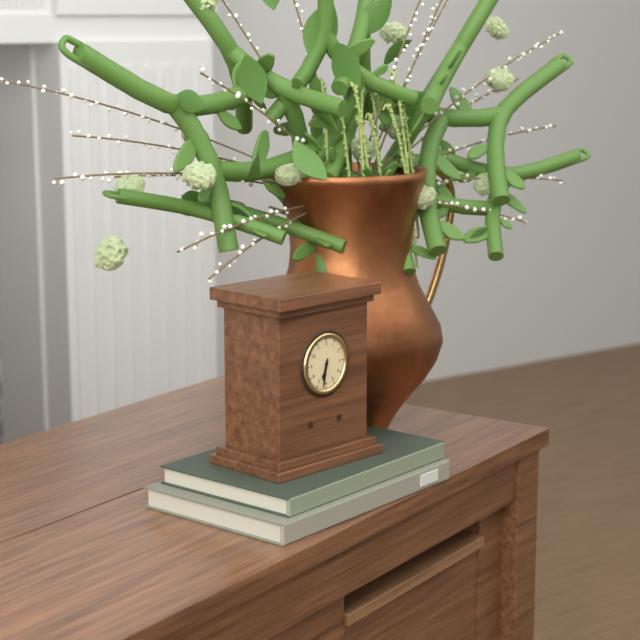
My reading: 6:32
